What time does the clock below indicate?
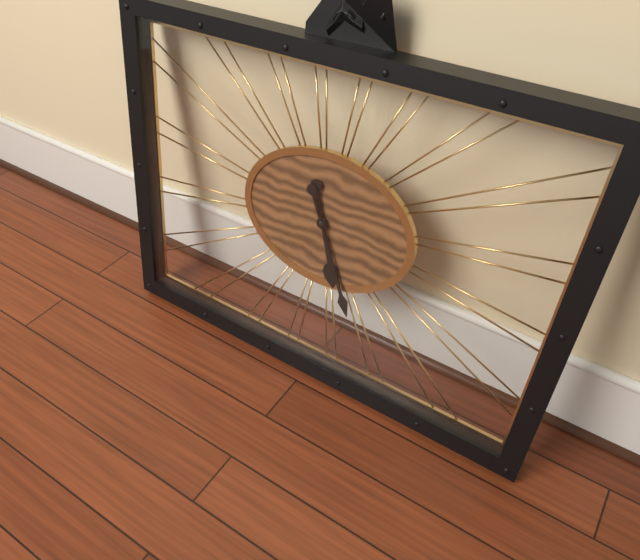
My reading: 5:26
